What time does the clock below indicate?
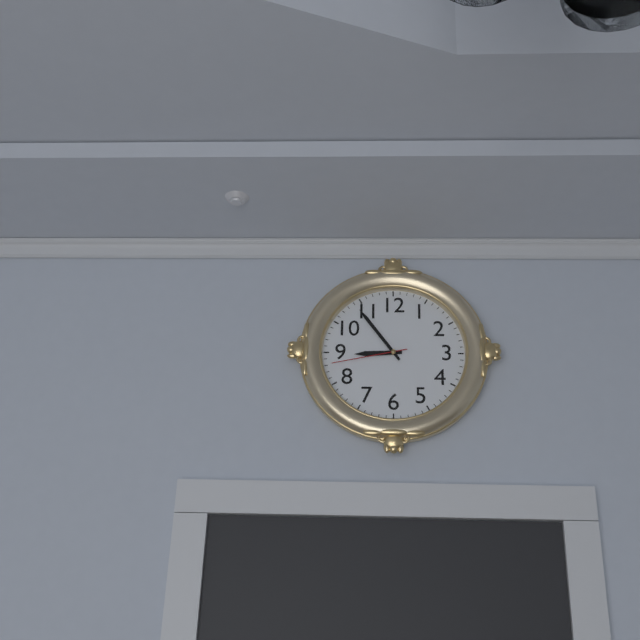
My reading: 8:54:43
